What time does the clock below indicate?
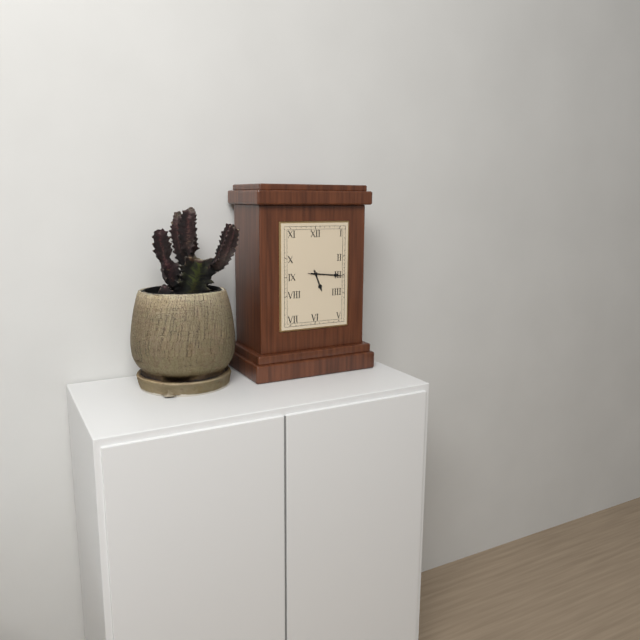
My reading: 5:16:16
